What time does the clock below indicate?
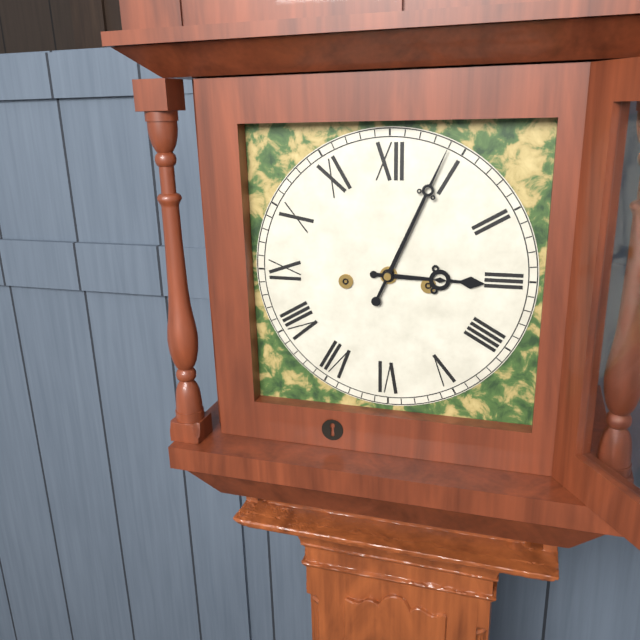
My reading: 3:04
